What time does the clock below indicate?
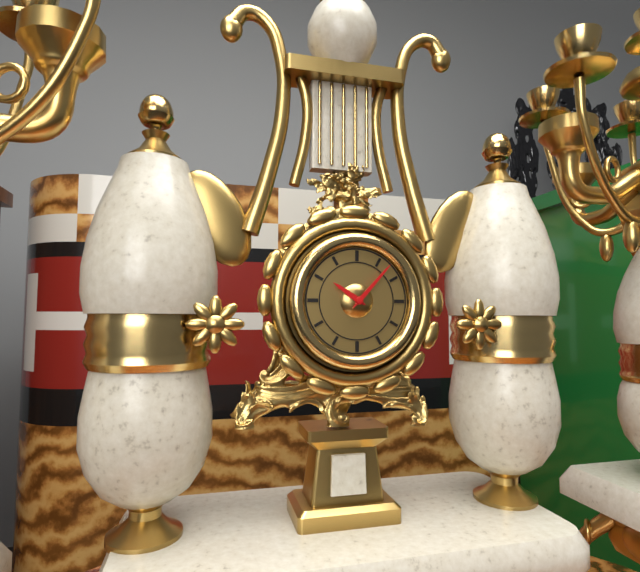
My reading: 10:07
